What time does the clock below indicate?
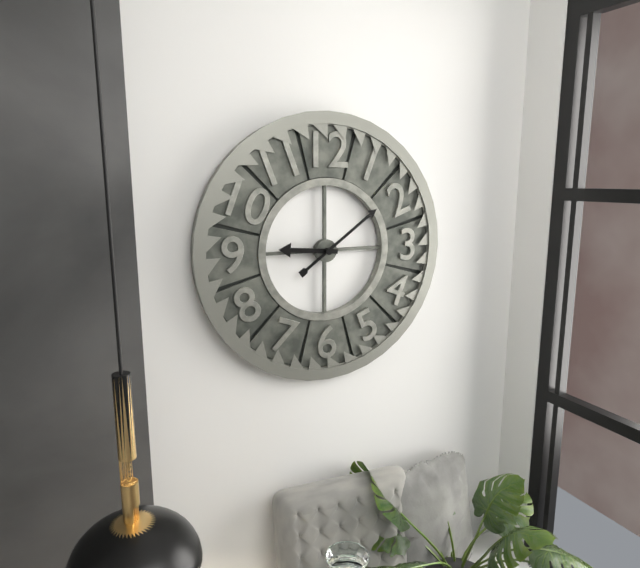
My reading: 9:09
